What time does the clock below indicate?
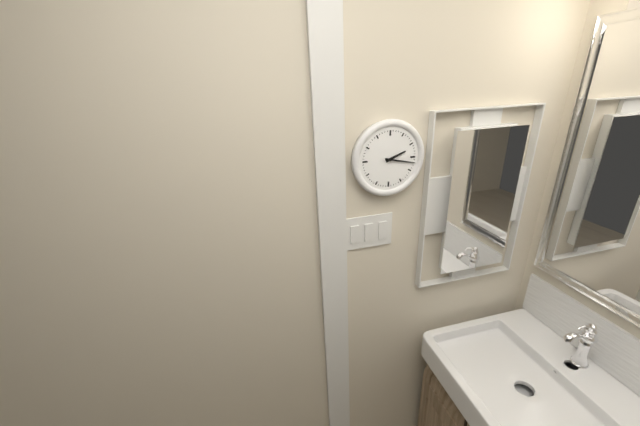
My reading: 2:17
